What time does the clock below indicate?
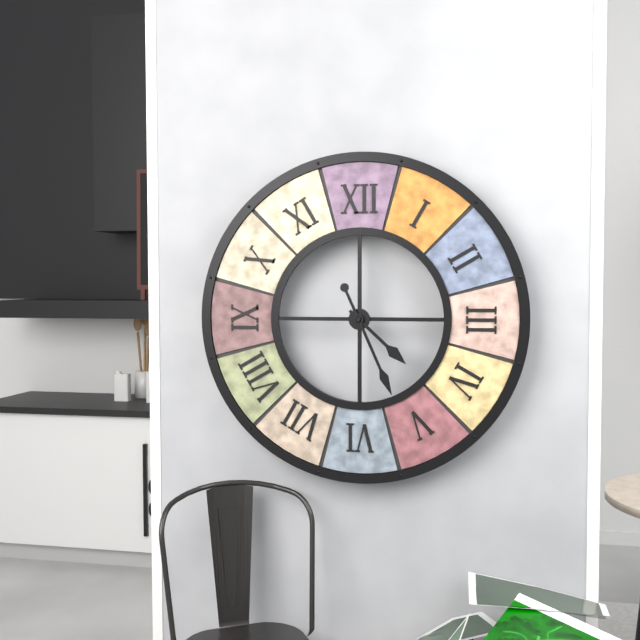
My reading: 4:26
